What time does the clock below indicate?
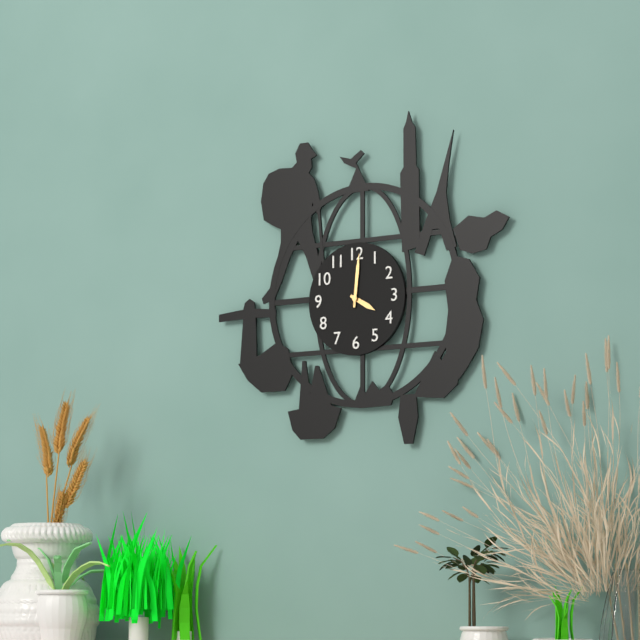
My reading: 4:01
